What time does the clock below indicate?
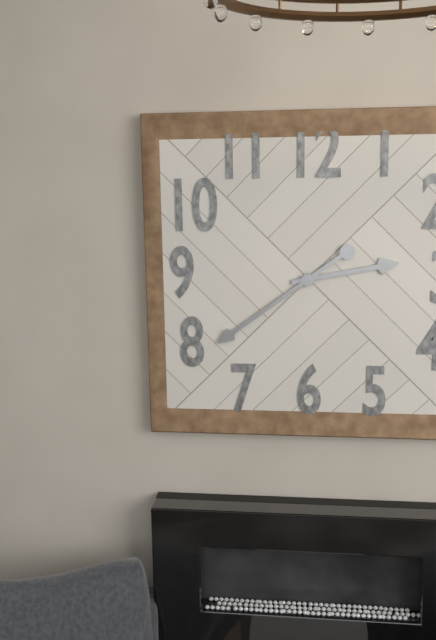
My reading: 2:39
